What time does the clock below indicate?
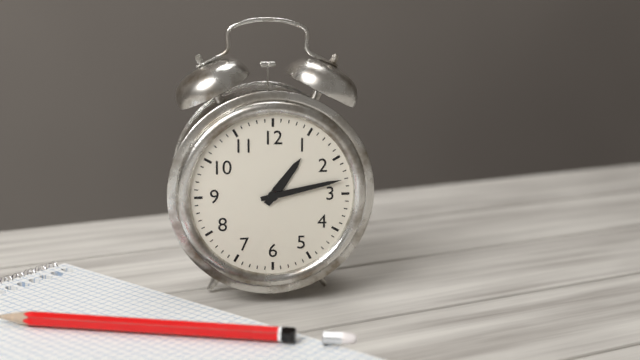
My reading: 1:13
